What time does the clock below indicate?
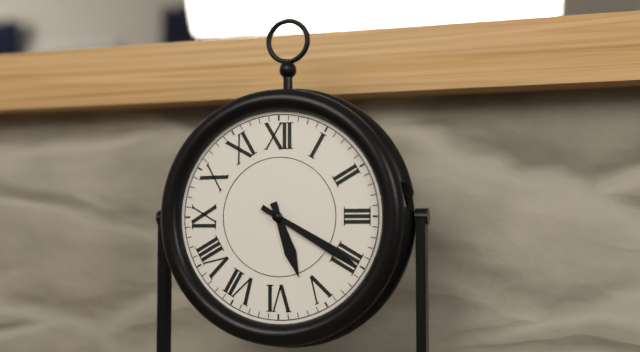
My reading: 5:20
